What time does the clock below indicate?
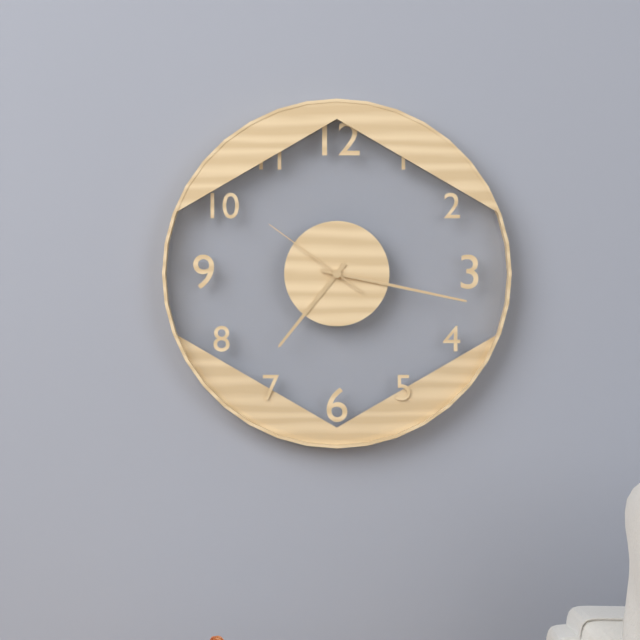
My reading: 7:17:51
